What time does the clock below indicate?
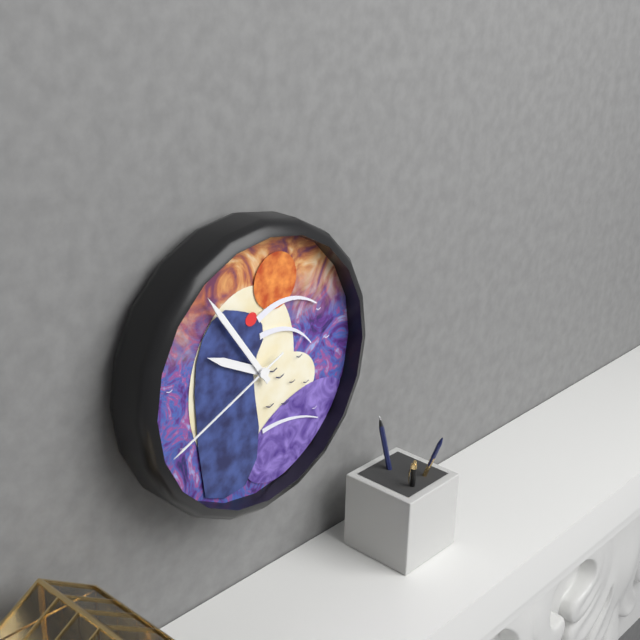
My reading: 9:54:41
